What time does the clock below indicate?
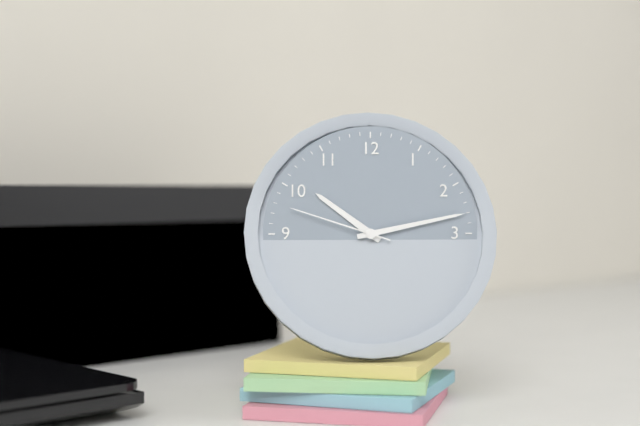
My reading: 10:13:48
